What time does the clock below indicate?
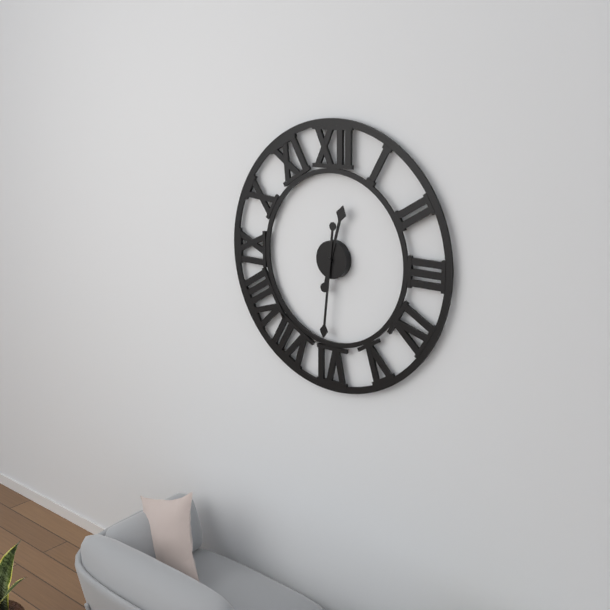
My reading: 12:31
